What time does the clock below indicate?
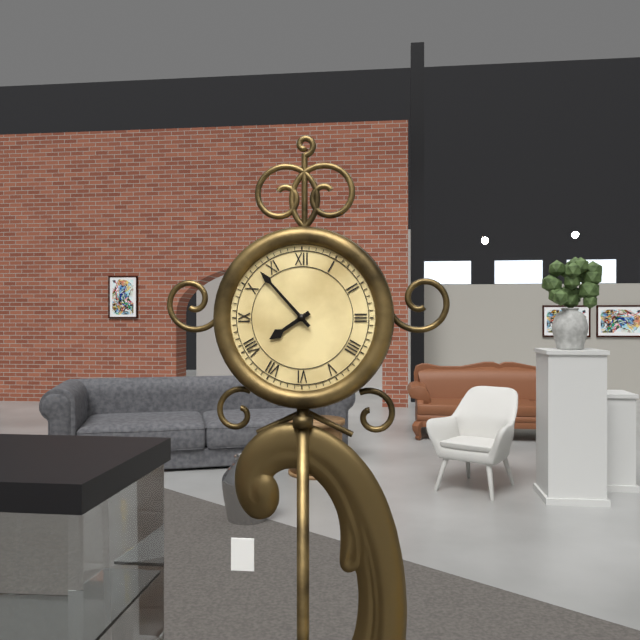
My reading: 7:53
